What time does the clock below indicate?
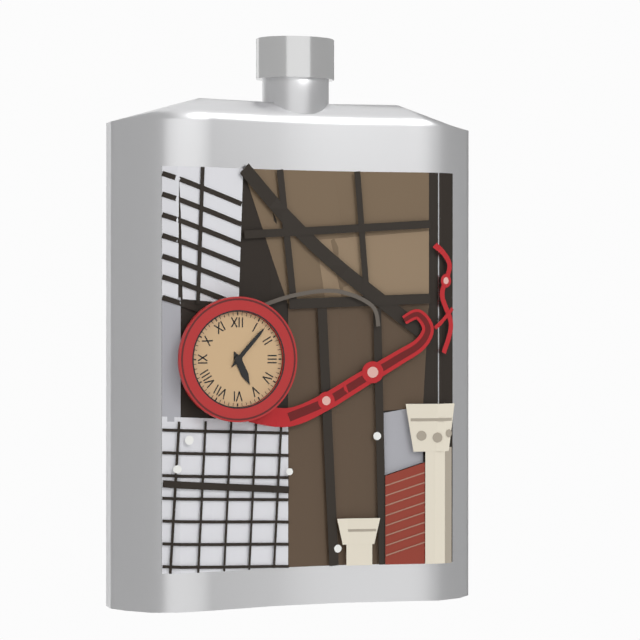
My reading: 5:07
